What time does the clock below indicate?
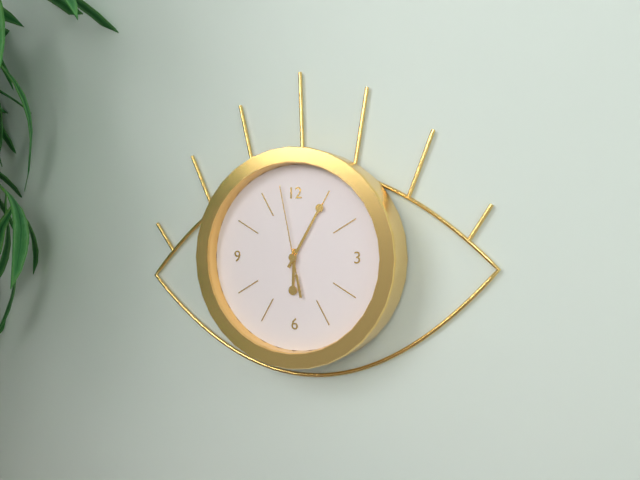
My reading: 6:05:58
